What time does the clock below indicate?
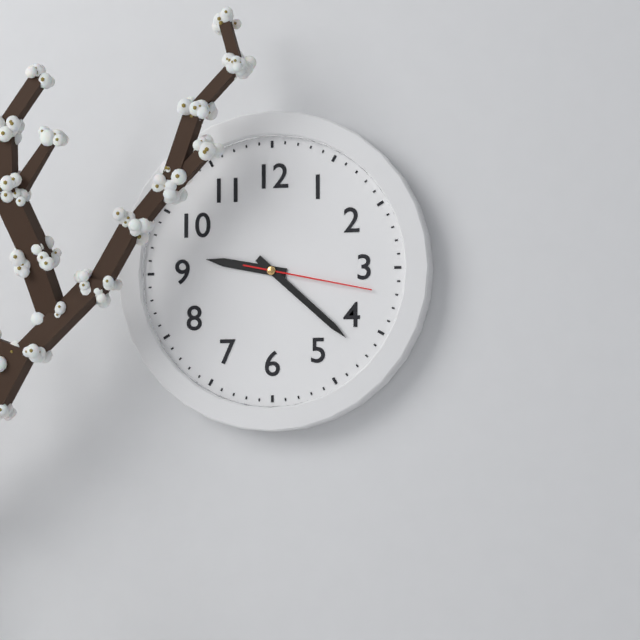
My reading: 9:22:17
